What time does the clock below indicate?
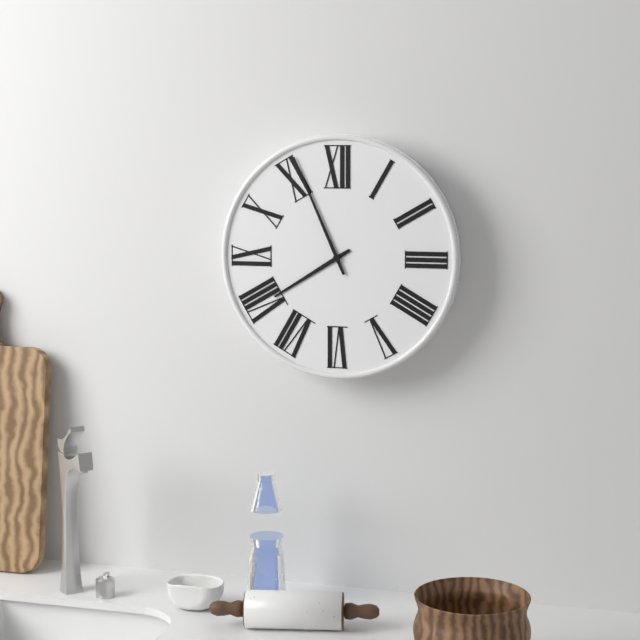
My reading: 7:56
